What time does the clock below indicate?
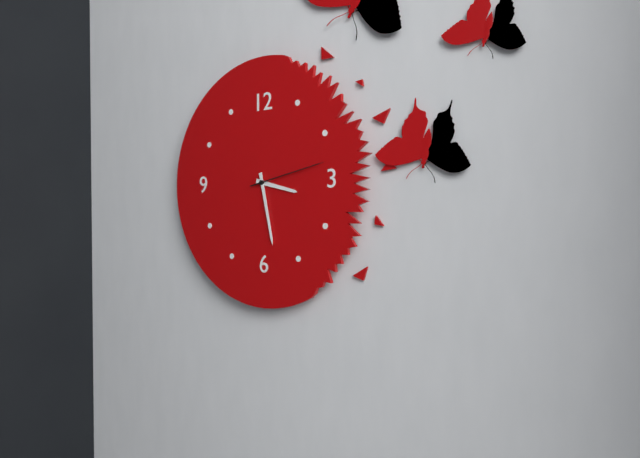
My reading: 3:28:13
